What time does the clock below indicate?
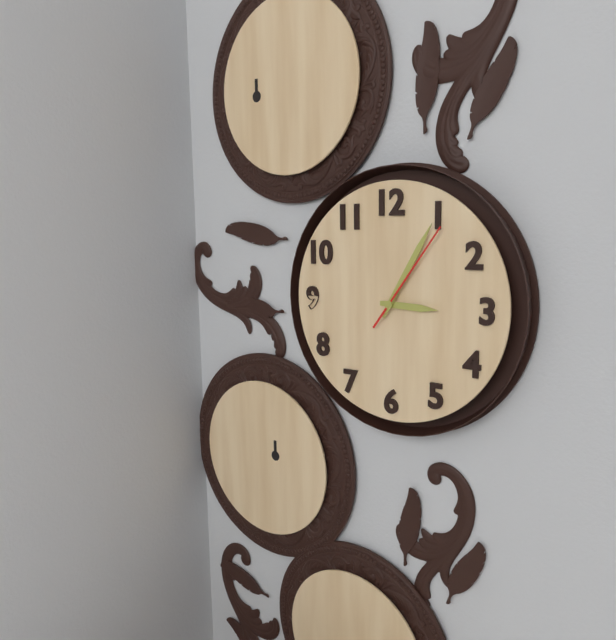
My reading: 3:05:06
